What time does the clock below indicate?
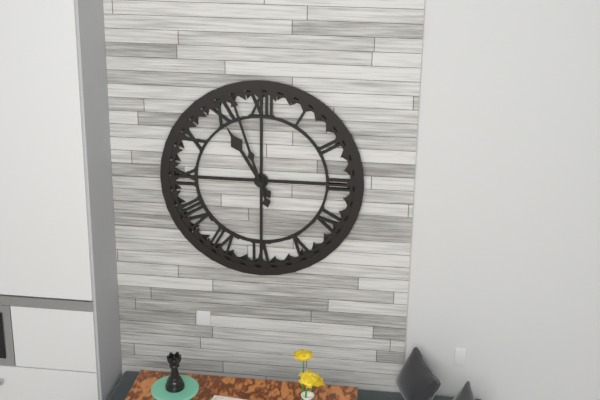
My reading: 10:57
